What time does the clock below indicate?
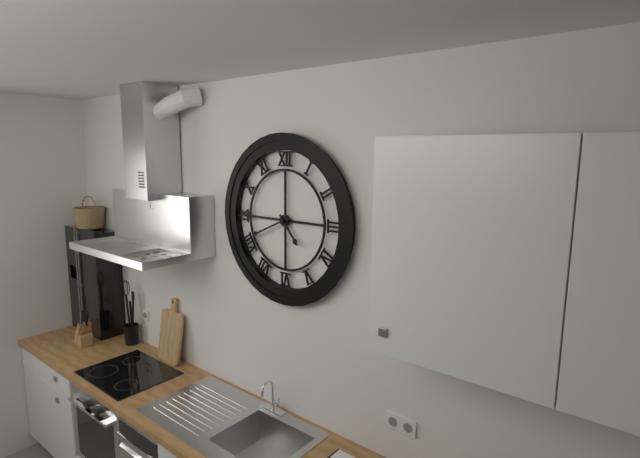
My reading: 4:41
